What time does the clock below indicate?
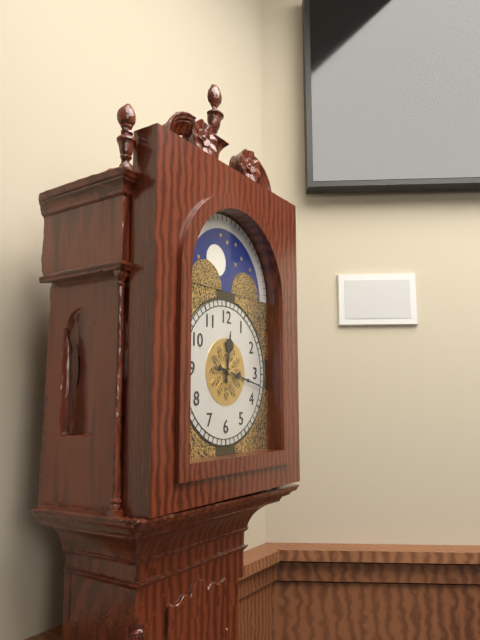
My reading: 12:17
